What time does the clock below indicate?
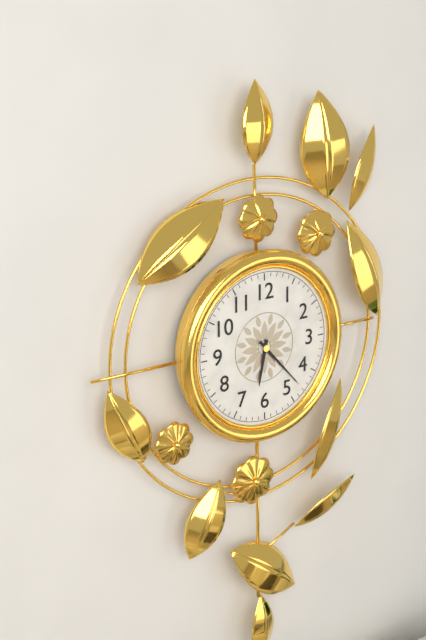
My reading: 6:23
